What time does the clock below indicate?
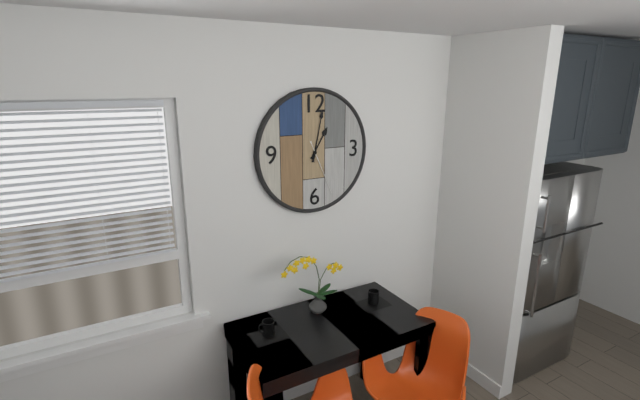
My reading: 1:02:26
